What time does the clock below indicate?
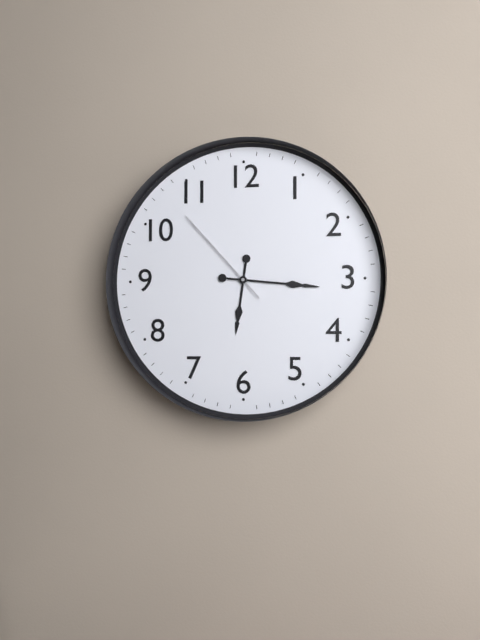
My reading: 6:16:53
